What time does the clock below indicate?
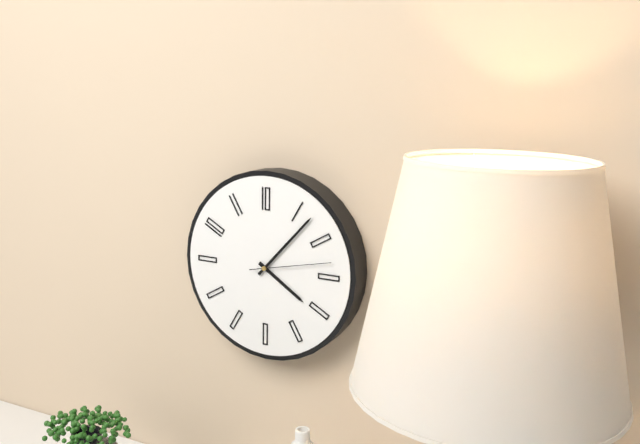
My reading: 4:07:13
